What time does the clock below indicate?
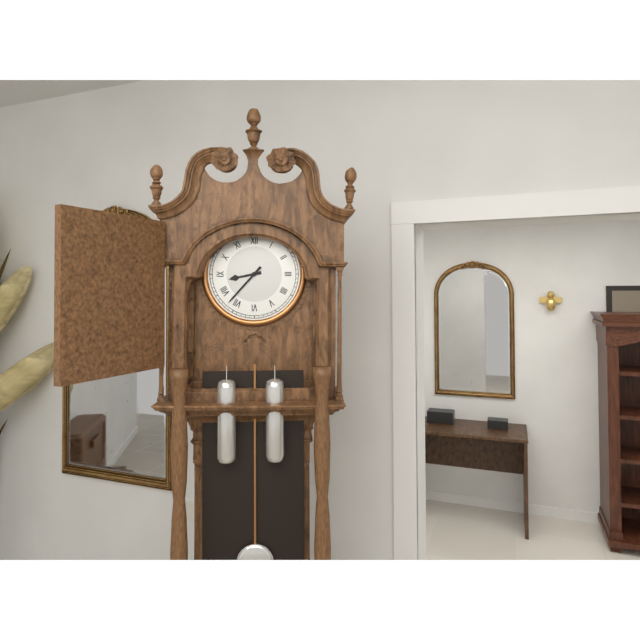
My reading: 8:37
